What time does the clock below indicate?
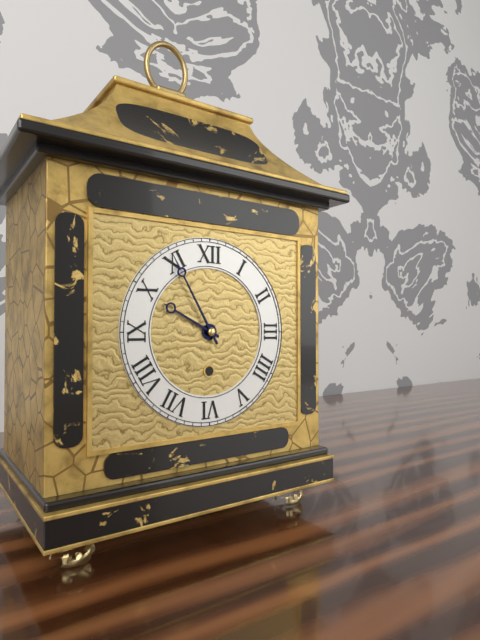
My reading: 9:55
